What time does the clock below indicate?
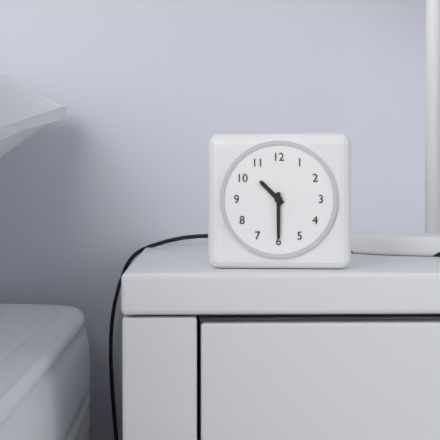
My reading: 10:30
